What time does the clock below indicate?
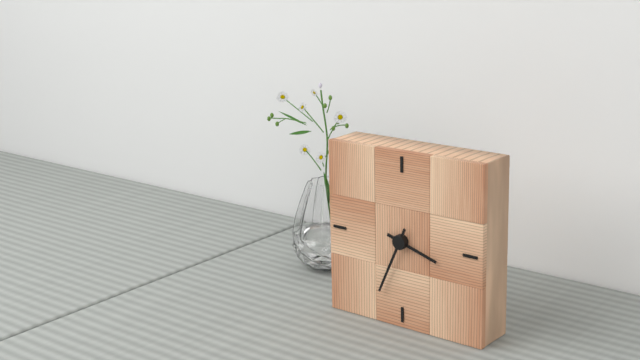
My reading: 3:34
